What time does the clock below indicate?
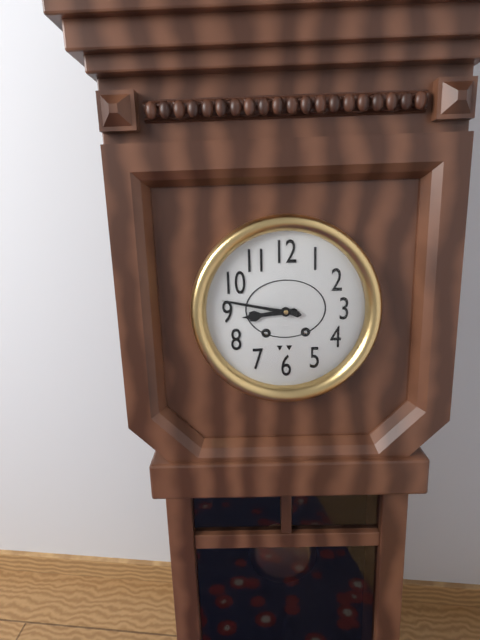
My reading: 8:47
